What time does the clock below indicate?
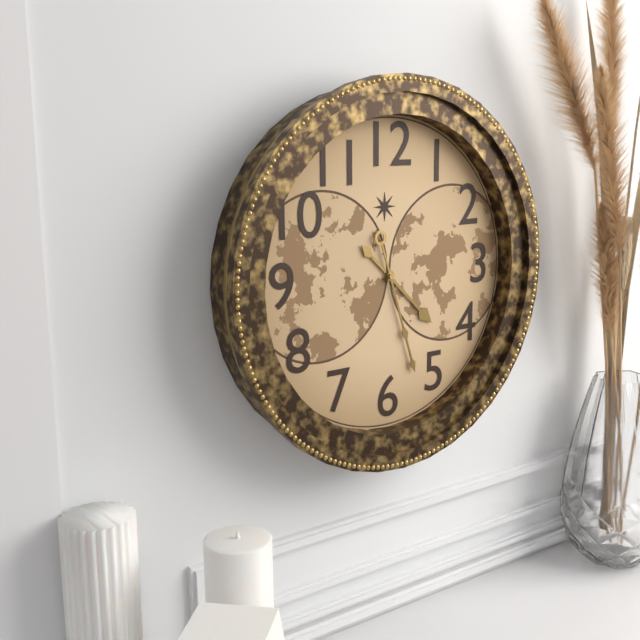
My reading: 4:27
